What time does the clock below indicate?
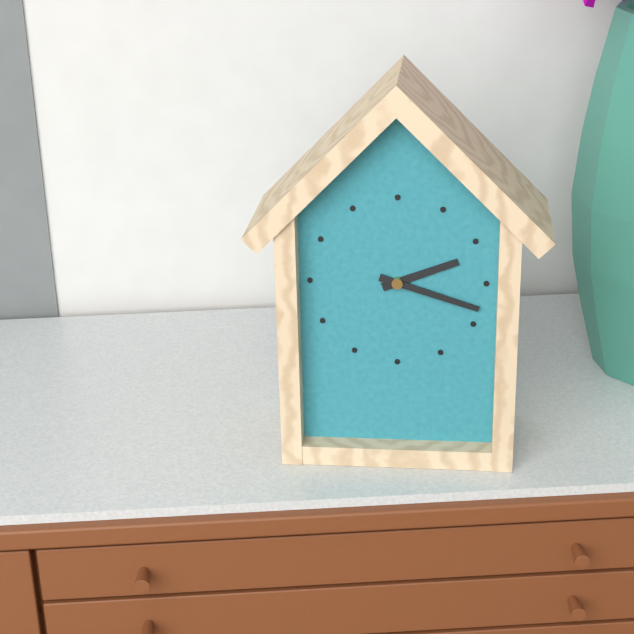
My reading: 2:18
